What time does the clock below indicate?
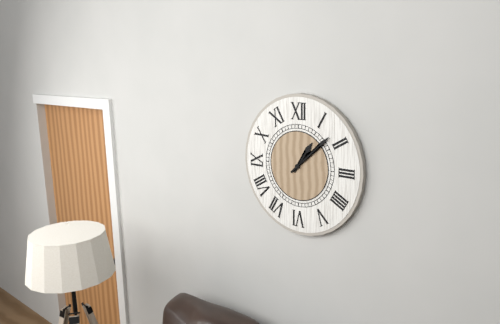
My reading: 1:08
